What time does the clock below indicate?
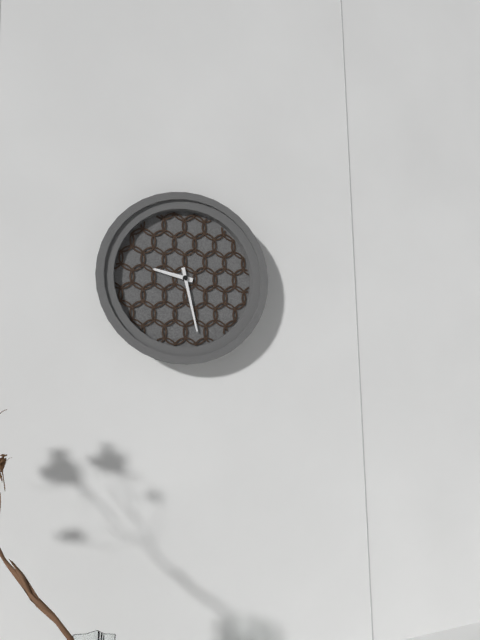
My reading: 9:28
